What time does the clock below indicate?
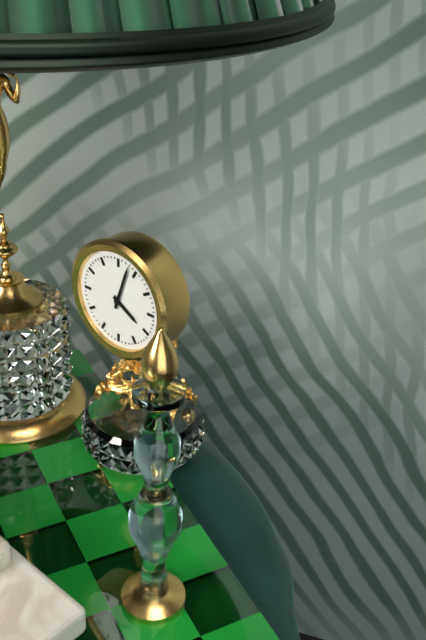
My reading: 4:03
